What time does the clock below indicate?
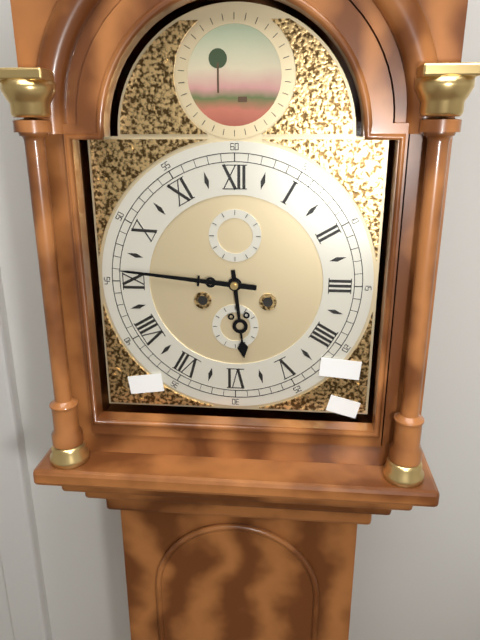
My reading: 5:46
